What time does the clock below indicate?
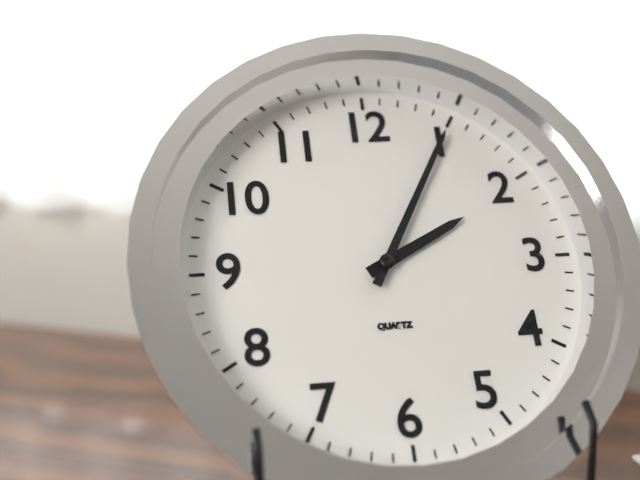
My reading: 2:05
